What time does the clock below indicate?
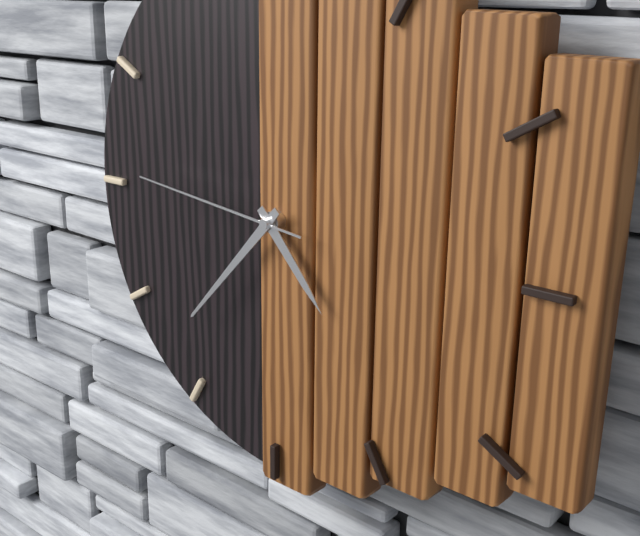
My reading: 4:37:46
